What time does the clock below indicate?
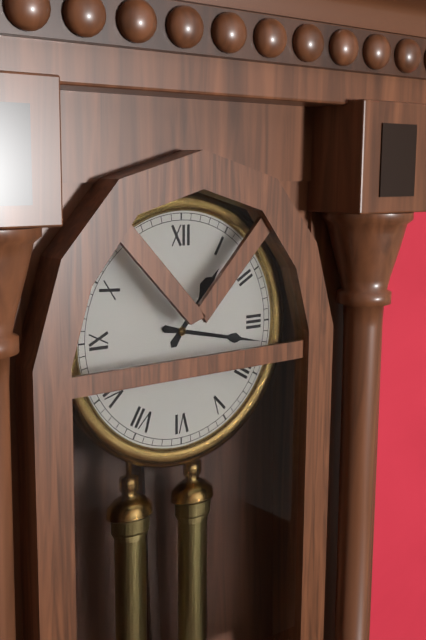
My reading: 1:17
